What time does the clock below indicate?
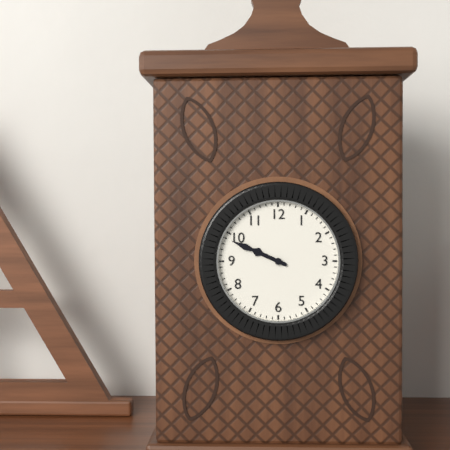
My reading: 9:49
